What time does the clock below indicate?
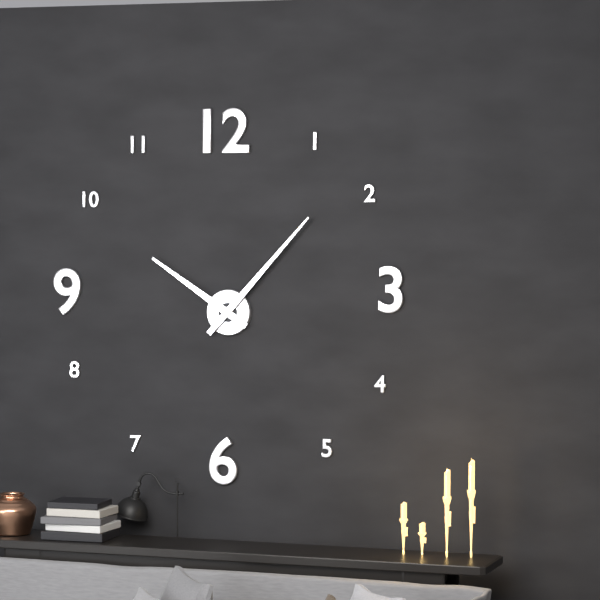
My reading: 10:07
